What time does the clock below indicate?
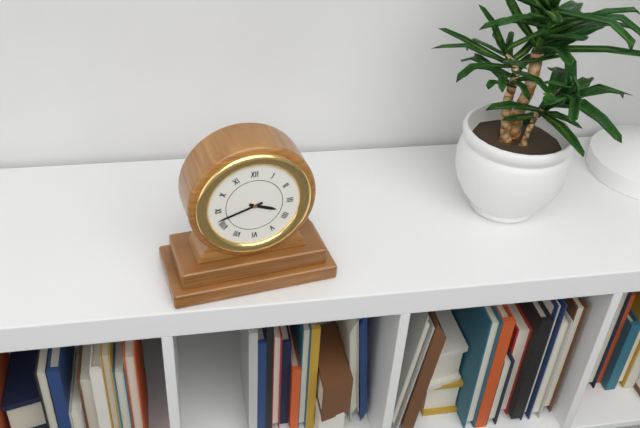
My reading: 3:42
